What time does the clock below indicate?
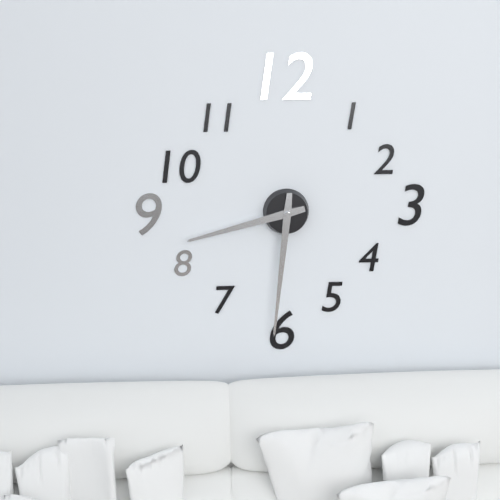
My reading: 8:31
